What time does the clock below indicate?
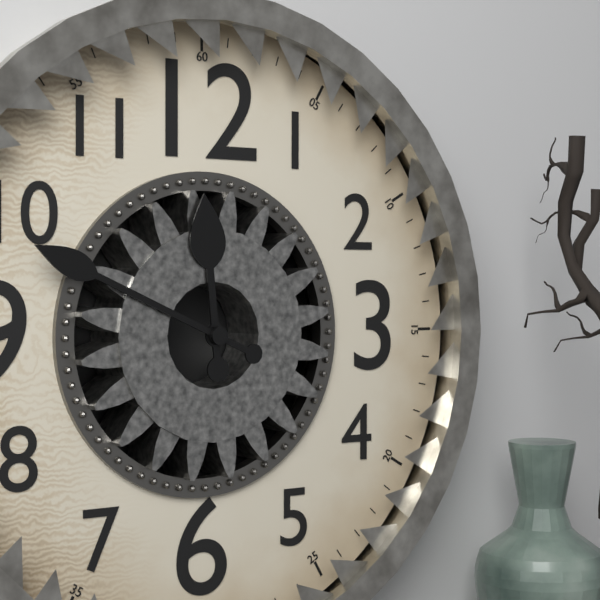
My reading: 11:49
